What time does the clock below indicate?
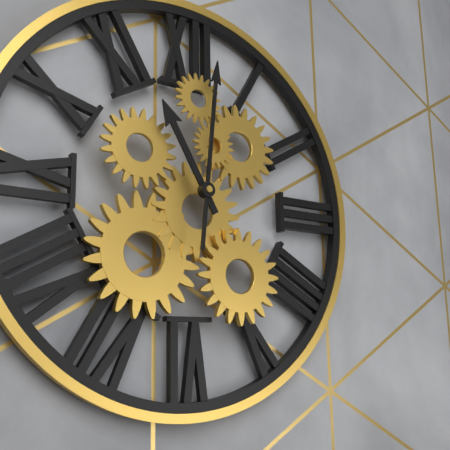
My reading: 11:01
